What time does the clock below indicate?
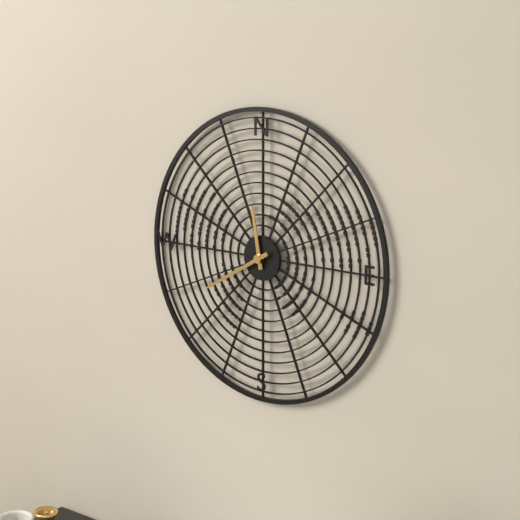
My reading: 11:40
